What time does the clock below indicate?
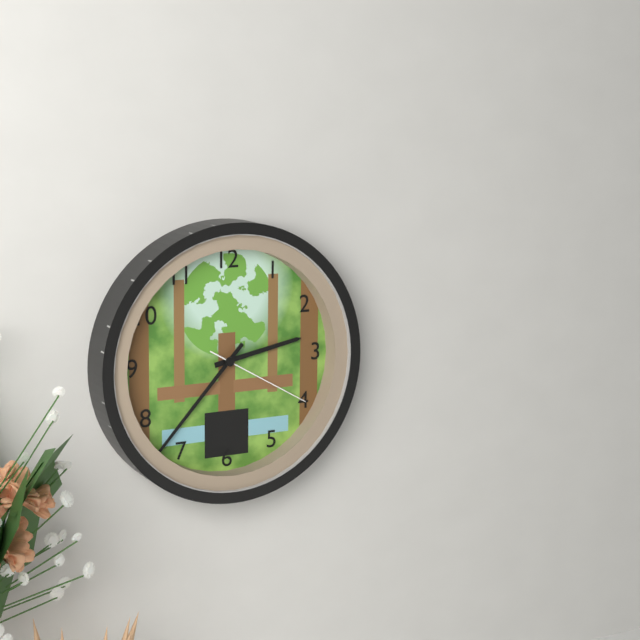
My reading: 2:37:20
